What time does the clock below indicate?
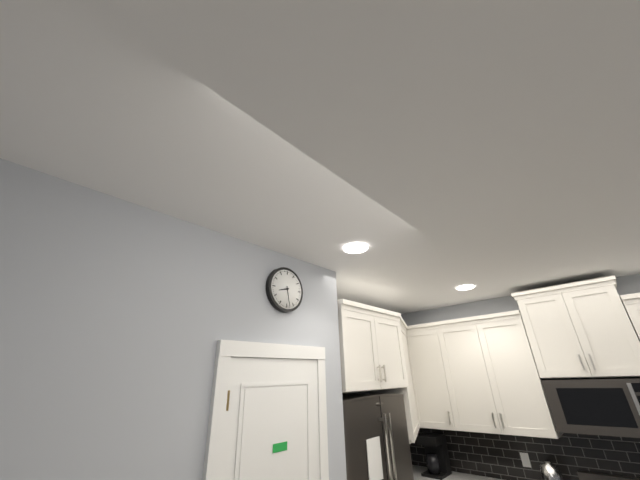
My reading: 8:28
